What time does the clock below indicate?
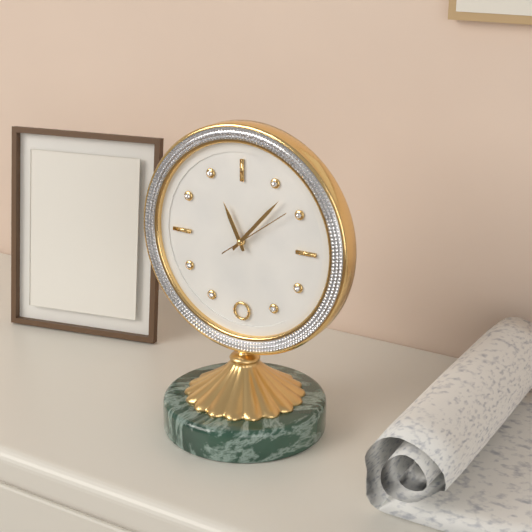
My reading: 11:07:09
